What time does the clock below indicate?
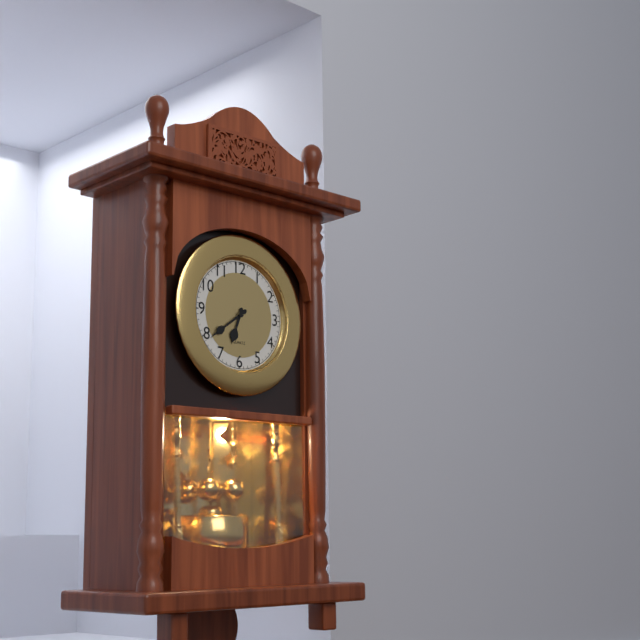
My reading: 6:39
